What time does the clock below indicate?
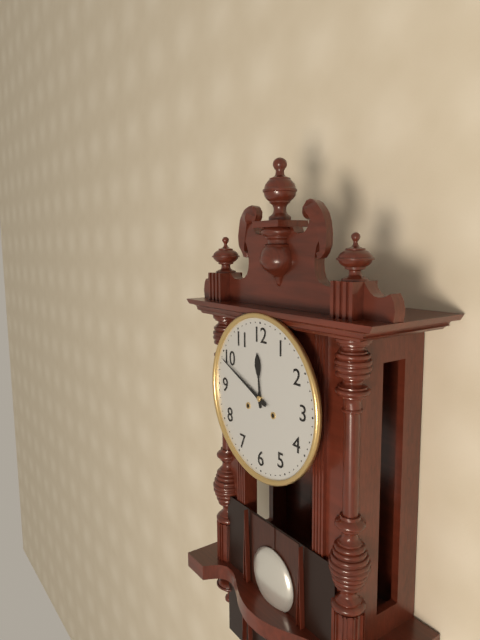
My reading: 11:49
